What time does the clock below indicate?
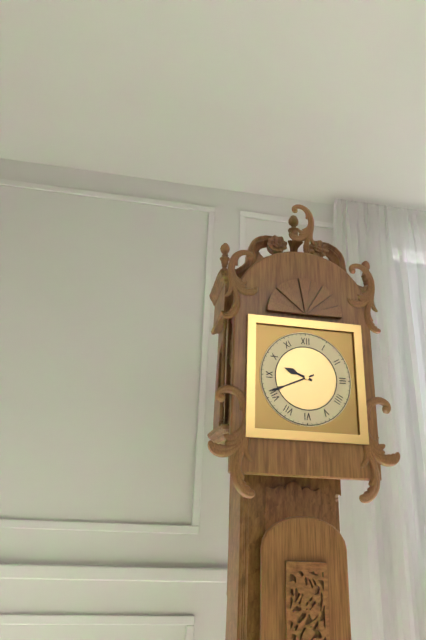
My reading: 9:41
